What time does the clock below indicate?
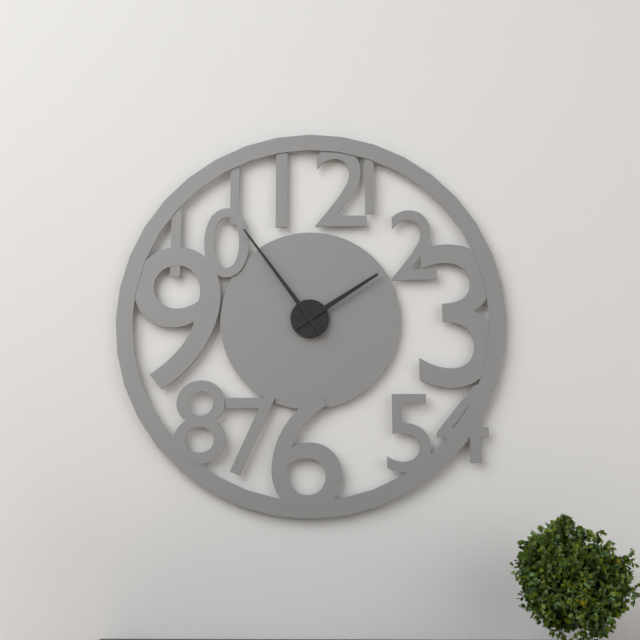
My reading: 1:54
